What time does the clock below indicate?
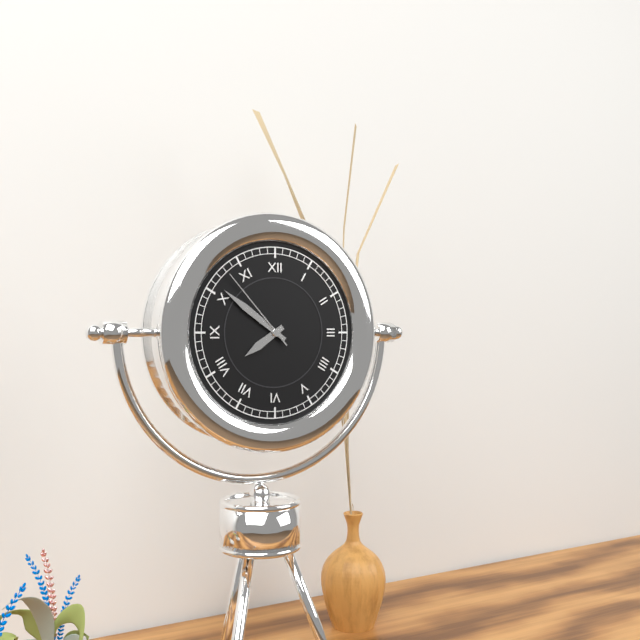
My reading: 7:51:53
